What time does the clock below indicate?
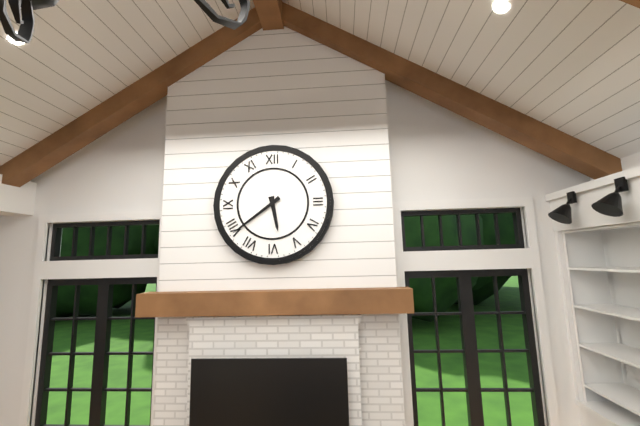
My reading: 5:39
